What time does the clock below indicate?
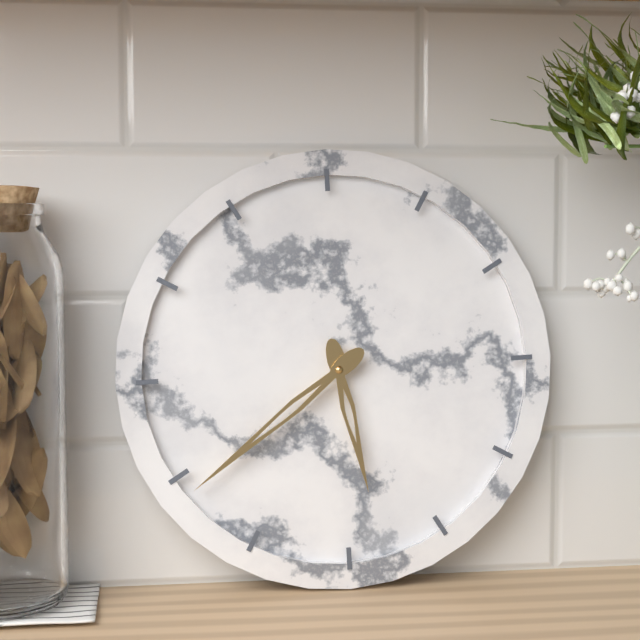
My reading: 5:39
